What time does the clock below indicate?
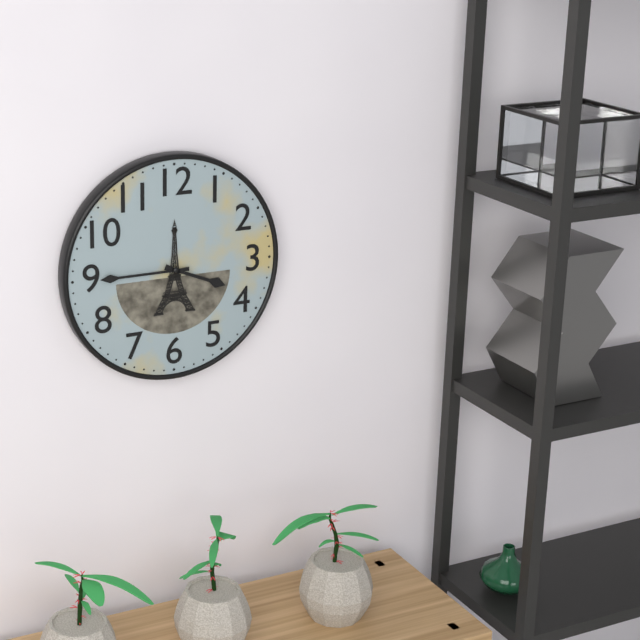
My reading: 3:45
